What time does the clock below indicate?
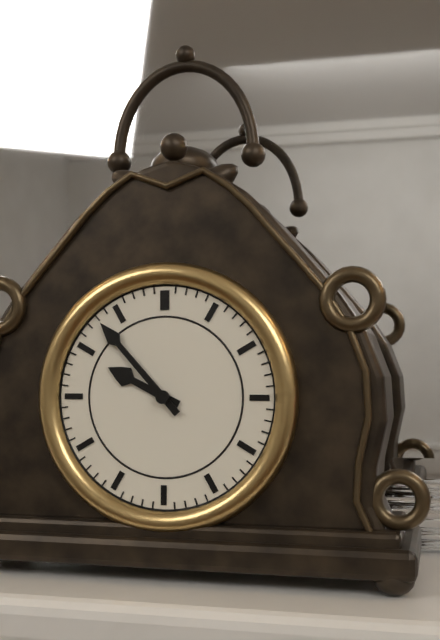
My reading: 9:53
